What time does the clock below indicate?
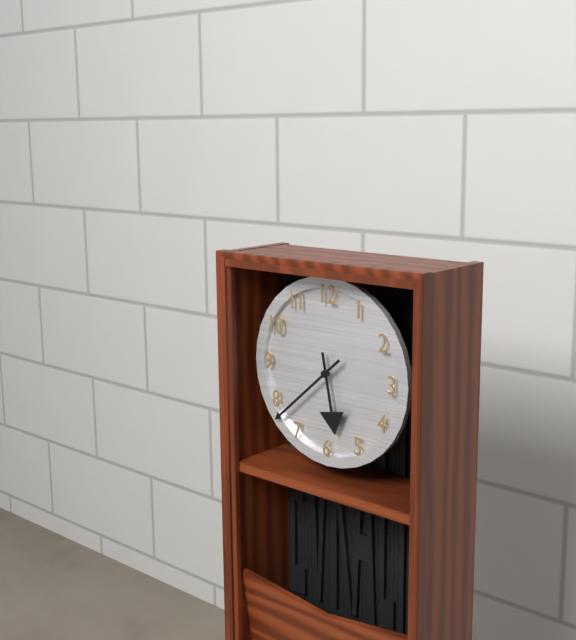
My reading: 5:38
